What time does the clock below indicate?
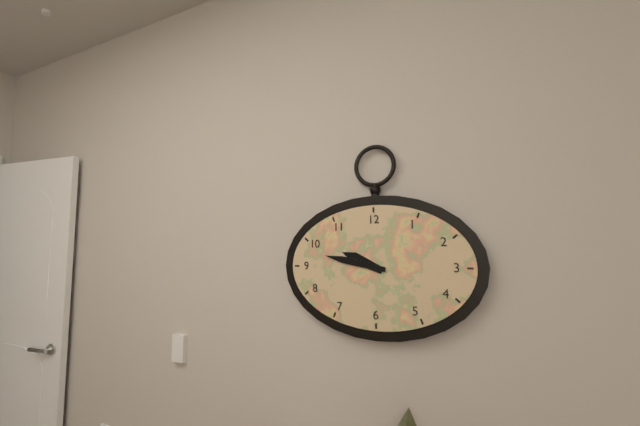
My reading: 9:47
